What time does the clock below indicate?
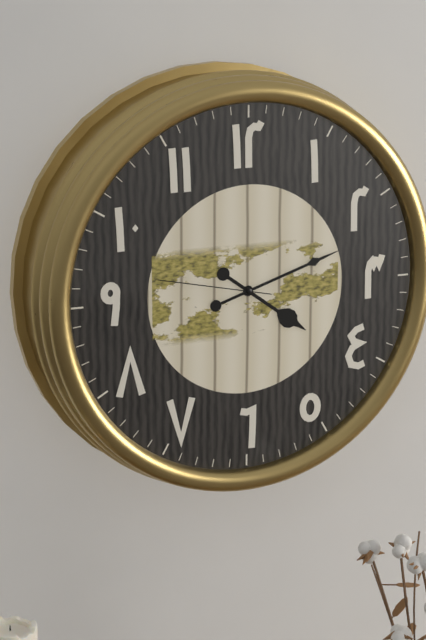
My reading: 4:12:47
